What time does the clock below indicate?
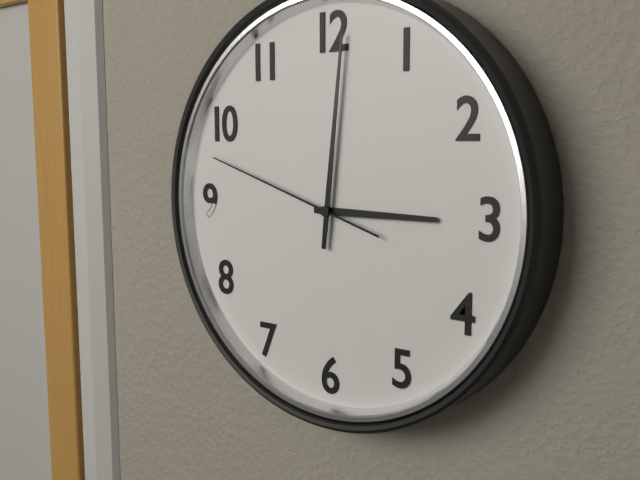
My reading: 3:01:48
